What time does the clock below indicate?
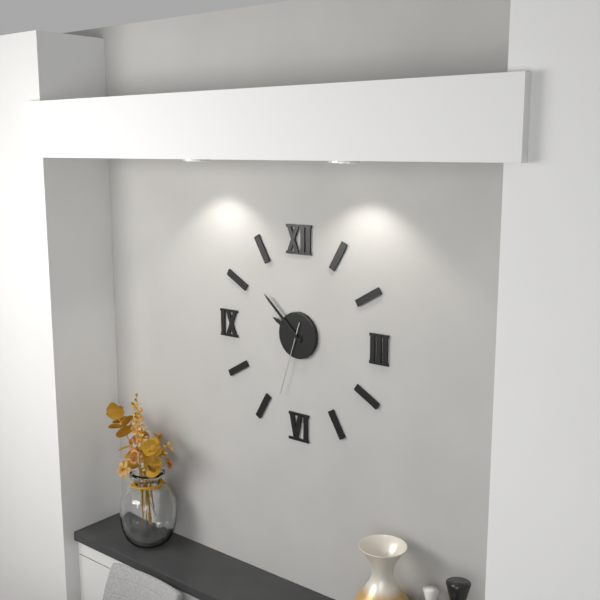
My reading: 9:52:33
